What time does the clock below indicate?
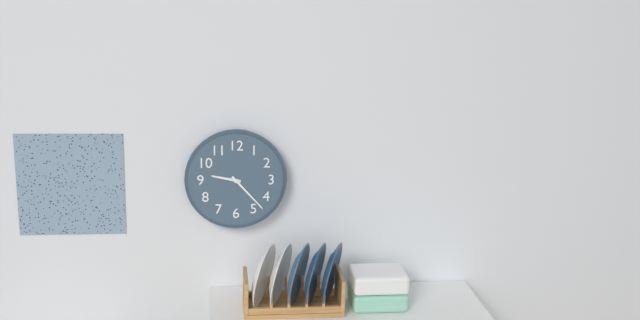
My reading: 9:23
